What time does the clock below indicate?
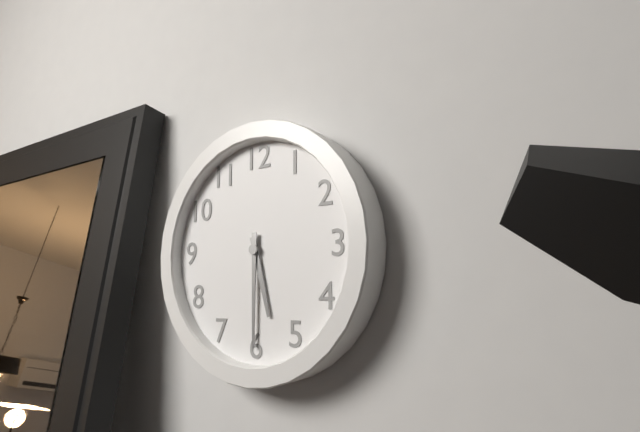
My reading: 5:30
